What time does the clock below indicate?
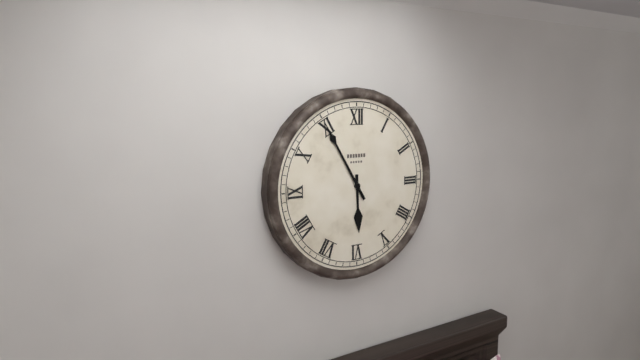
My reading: 5:55
